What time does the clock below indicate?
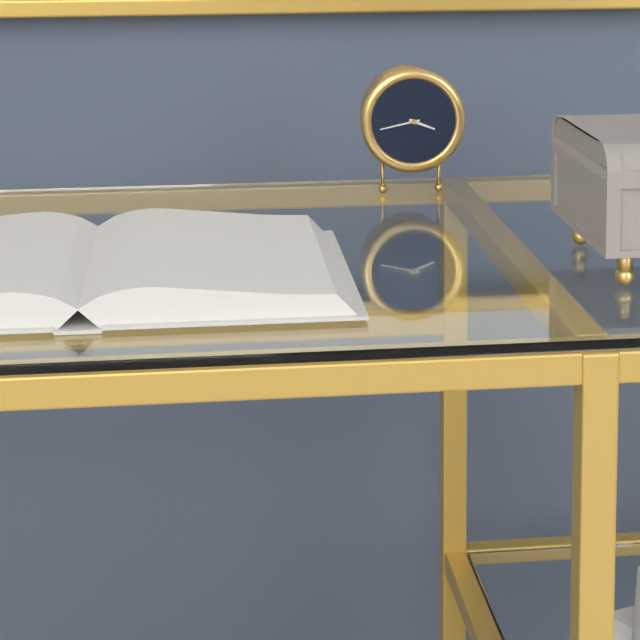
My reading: 3:43
